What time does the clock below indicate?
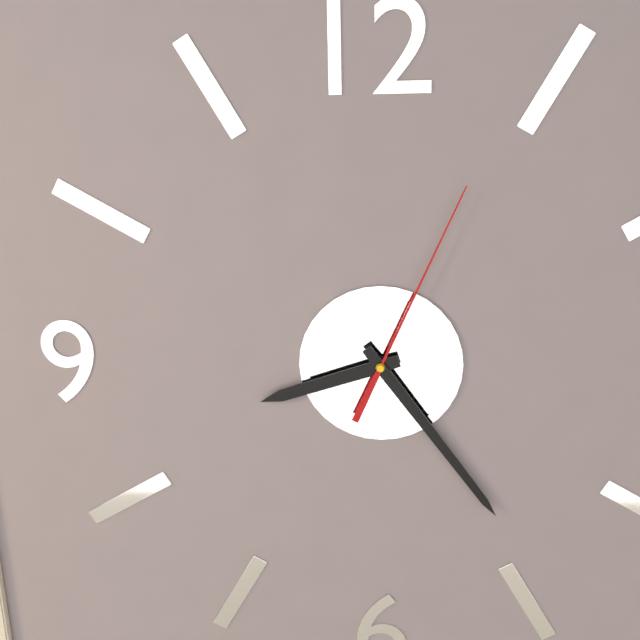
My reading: 8:24:04
